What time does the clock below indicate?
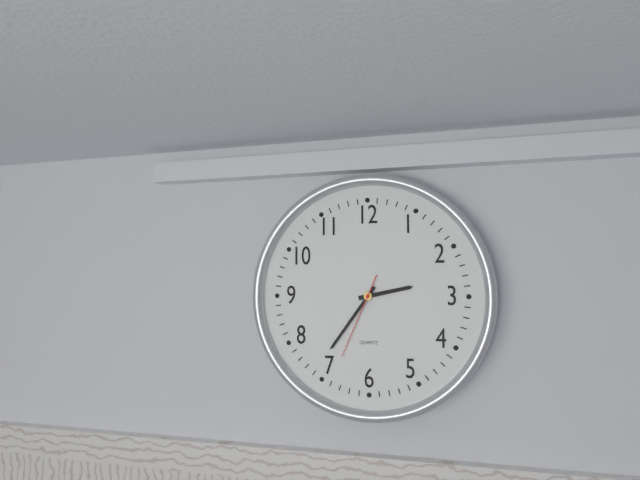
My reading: 2:36:34
